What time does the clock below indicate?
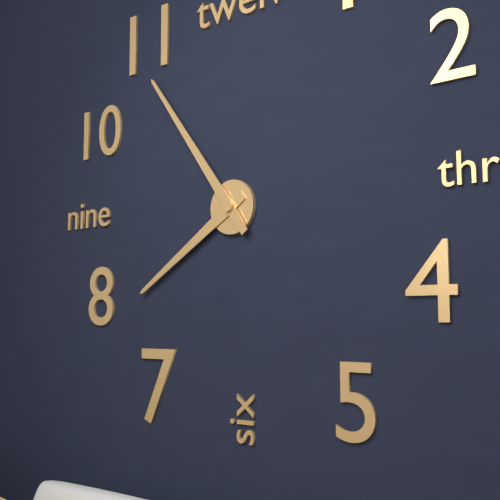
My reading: 7:54
